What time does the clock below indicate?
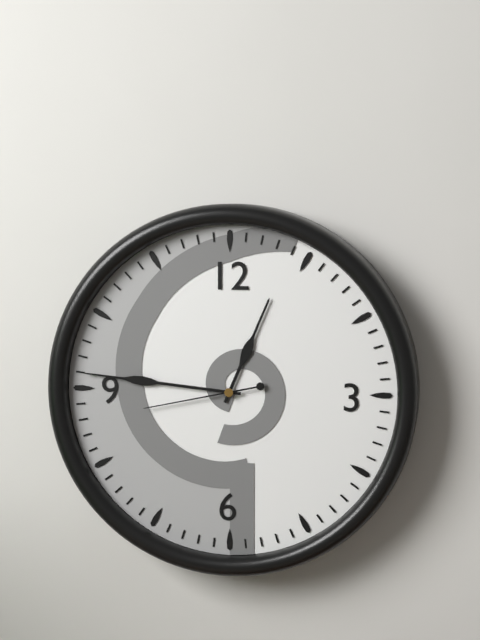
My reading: 12:46:43
